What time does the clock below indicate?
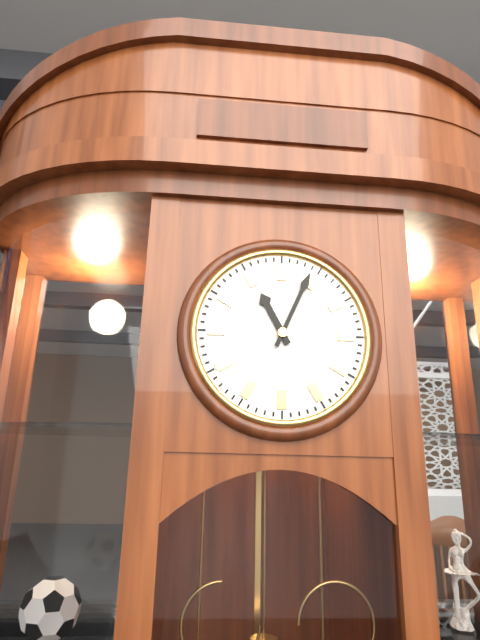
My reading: 11:04
